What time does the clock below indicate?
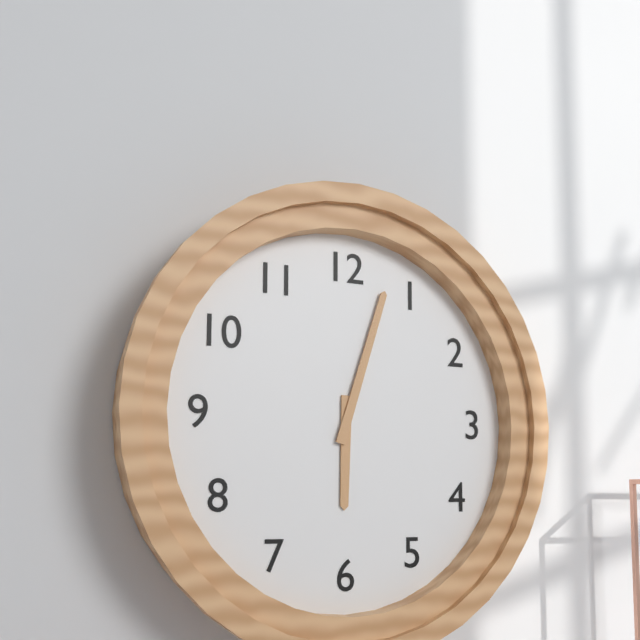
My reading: 6:03
